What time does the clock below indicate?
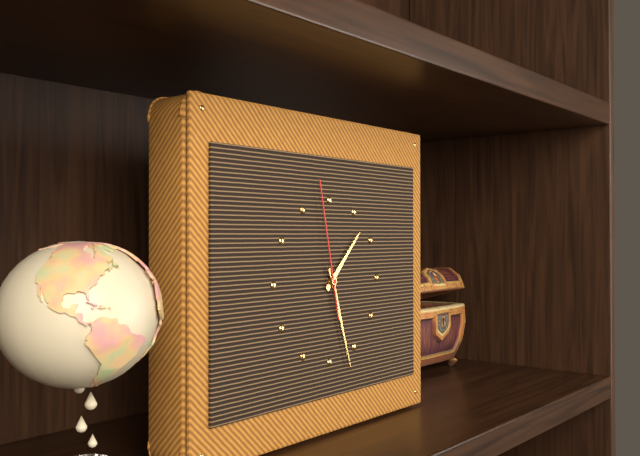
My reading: 1:27:58
